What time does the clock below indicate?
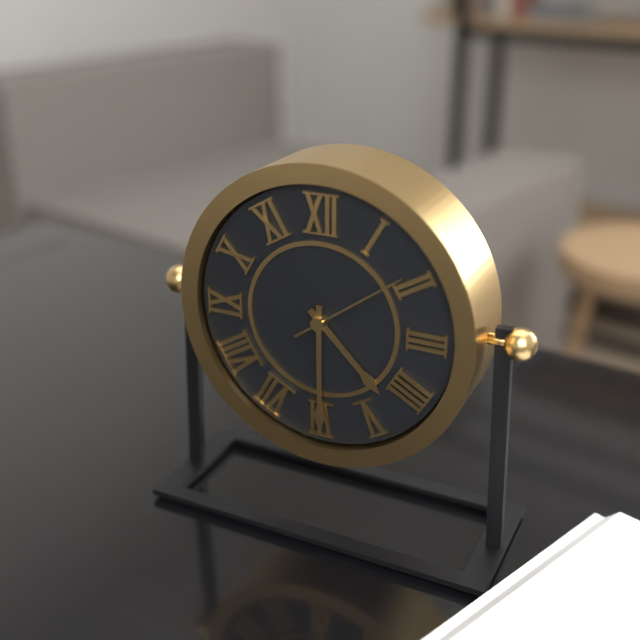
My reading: 4:30:09
